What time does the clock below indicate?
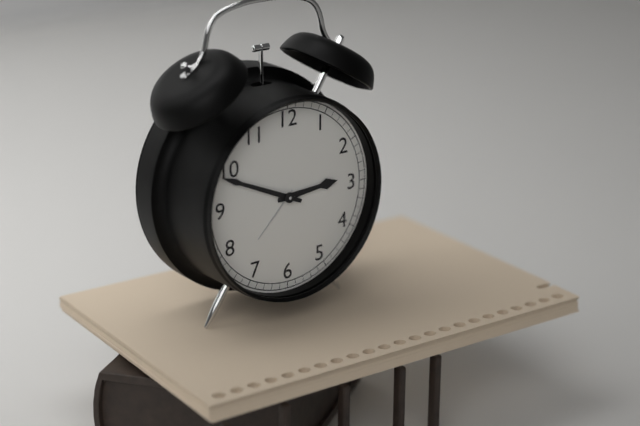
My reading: 2:49
